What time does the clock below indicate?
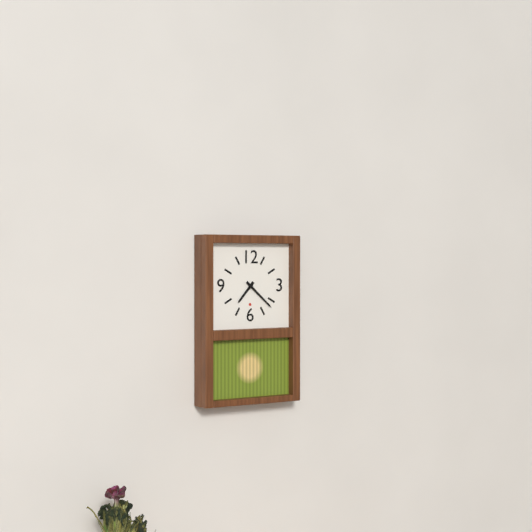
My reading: 7:22
